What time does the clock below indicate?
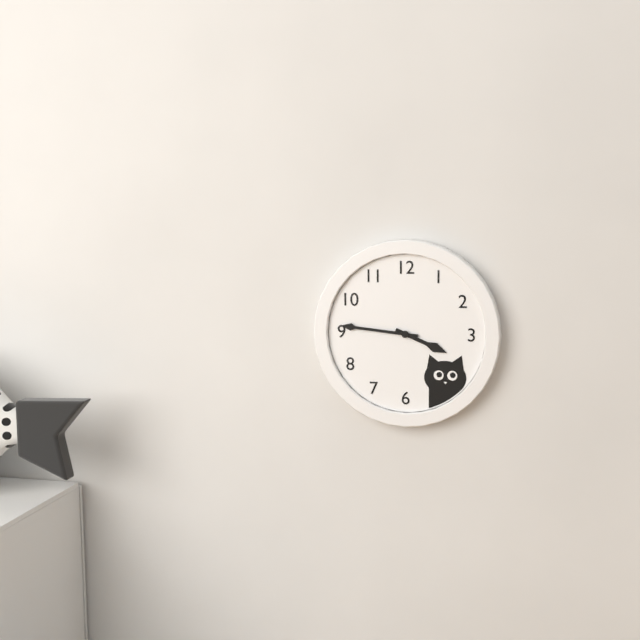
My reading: 3:46
